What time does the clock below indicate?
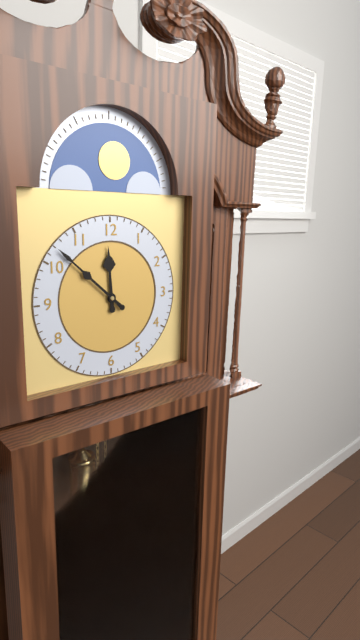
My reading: 11:52
